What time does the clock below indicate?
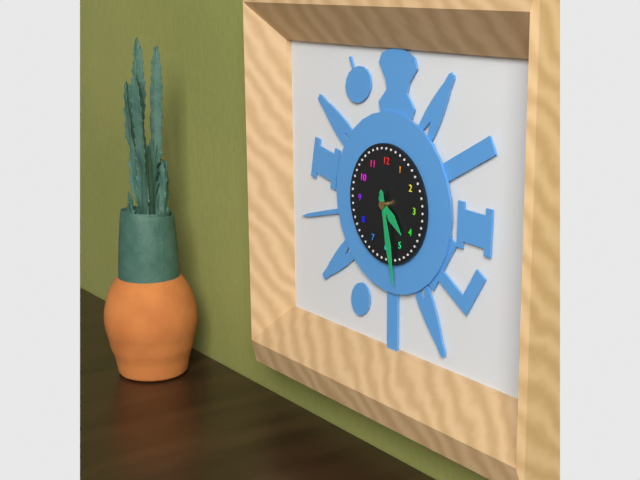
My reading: 4:28
